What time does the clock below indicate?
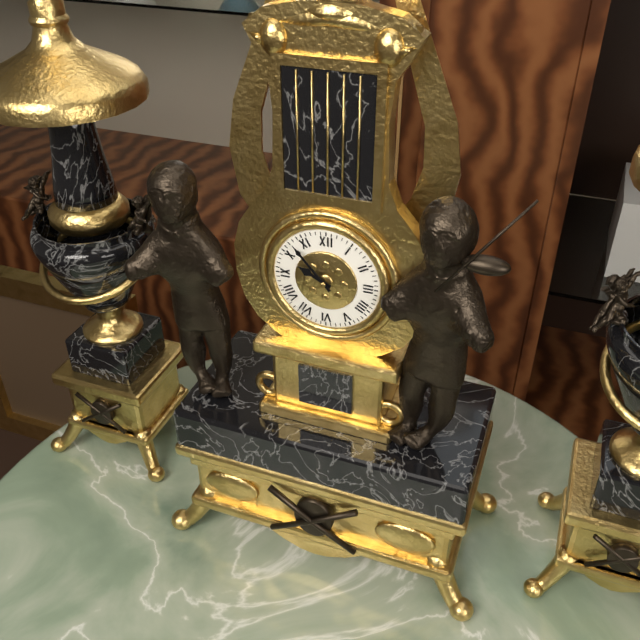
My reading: 9:53
